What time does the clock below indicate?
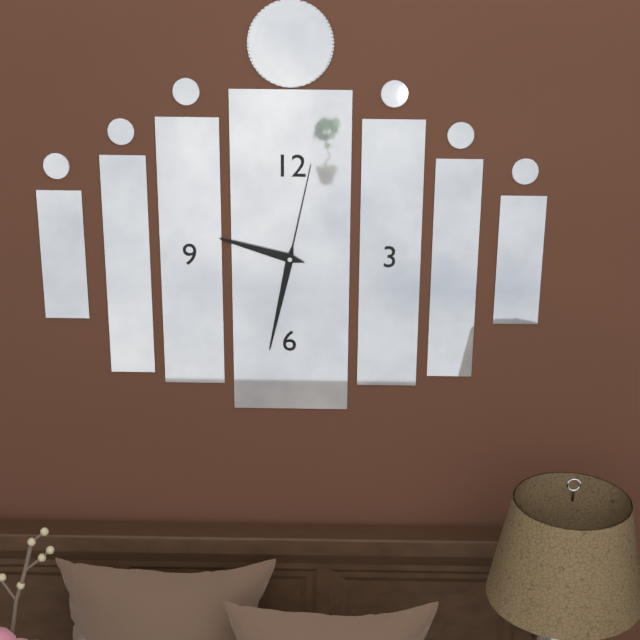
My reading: 9:32:02
